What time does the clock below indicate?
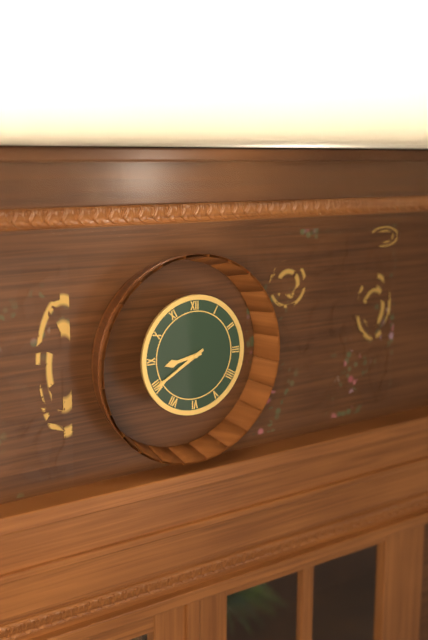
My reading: 8:40
